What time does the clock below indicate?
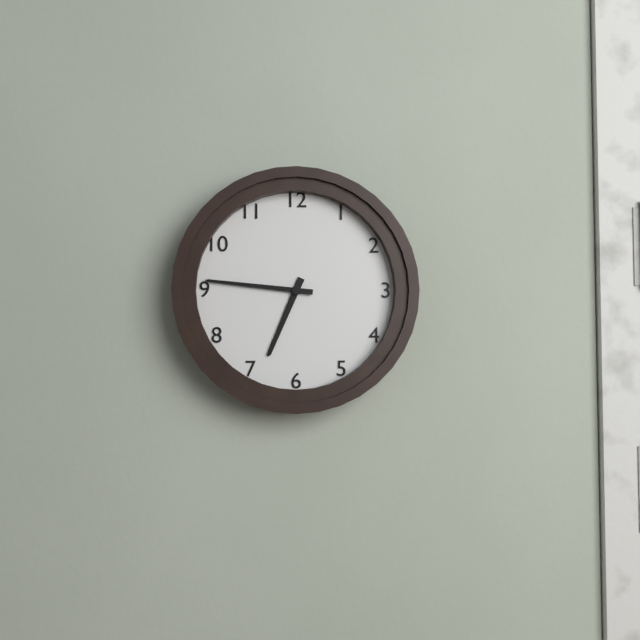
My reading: 6:46
